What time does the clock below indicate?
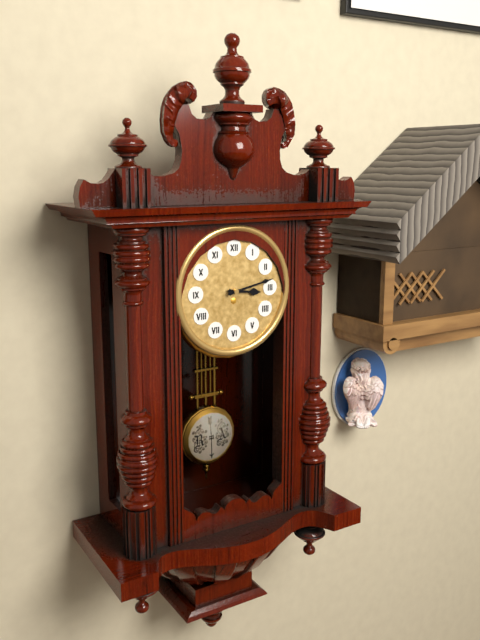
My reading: 3:13
